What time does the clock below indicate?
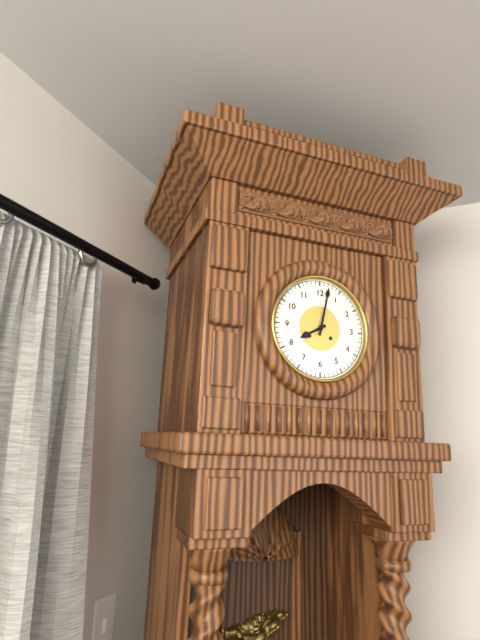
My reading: 8:02
